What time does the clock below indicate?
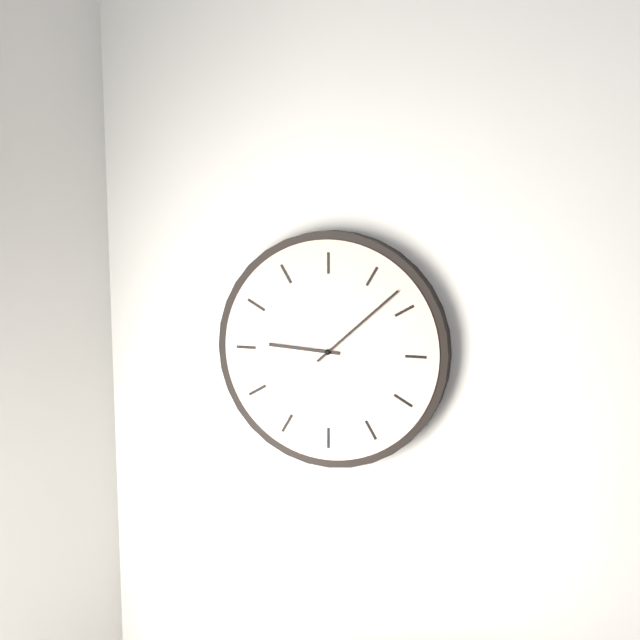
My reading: 9:08
